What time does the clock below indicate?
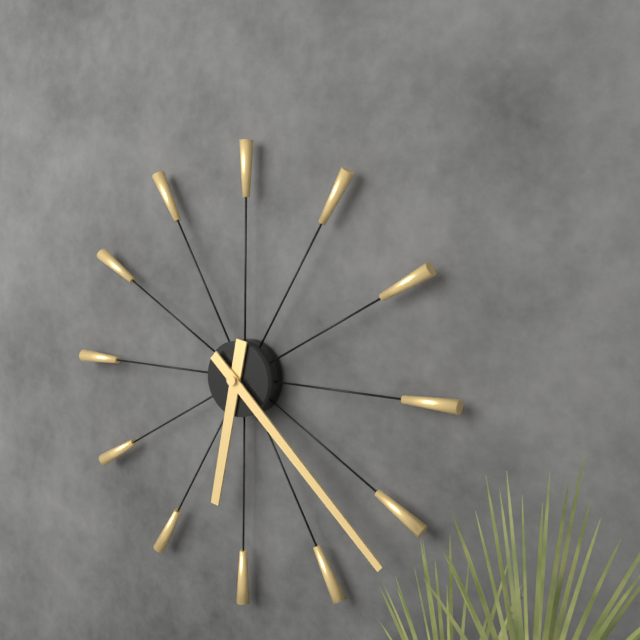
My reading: 6:22
